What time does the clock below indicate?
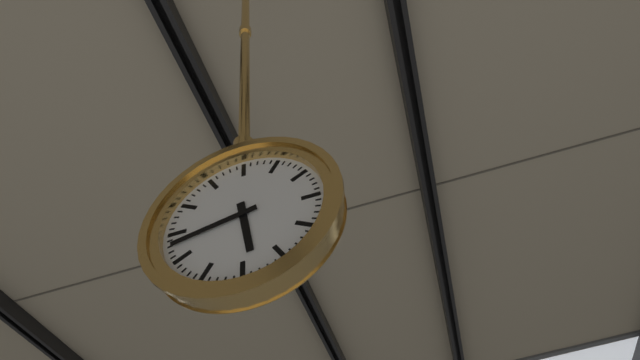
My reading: 5:43
